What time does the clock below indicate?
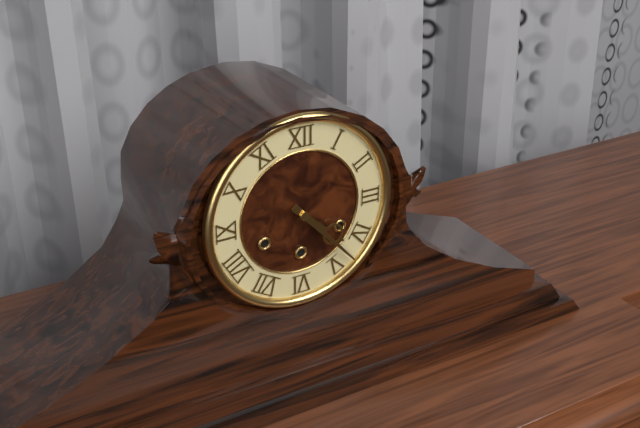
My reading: 4:23
